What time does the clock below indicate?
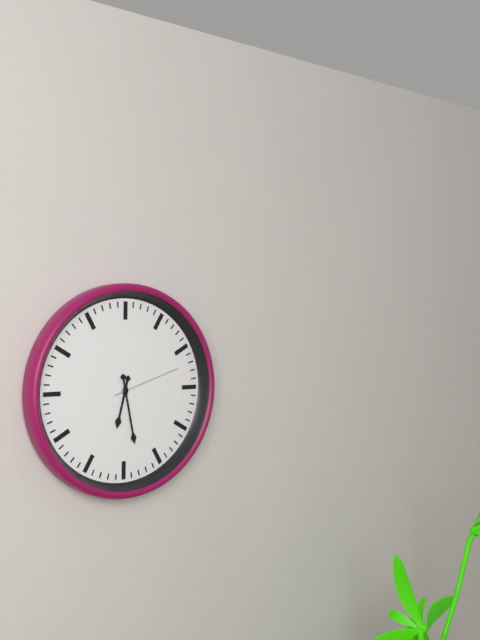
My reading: 6:28:12
